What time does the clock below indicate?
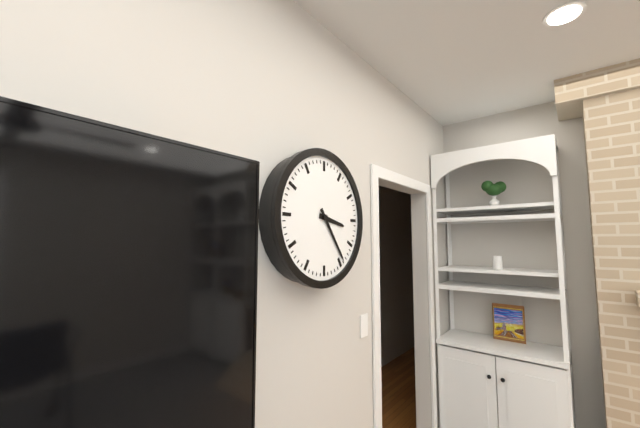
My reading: 3:24
